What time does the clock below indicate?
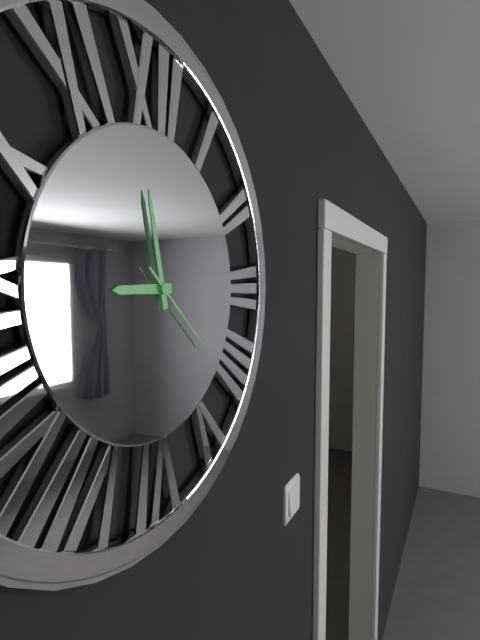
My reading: 8:58:22
